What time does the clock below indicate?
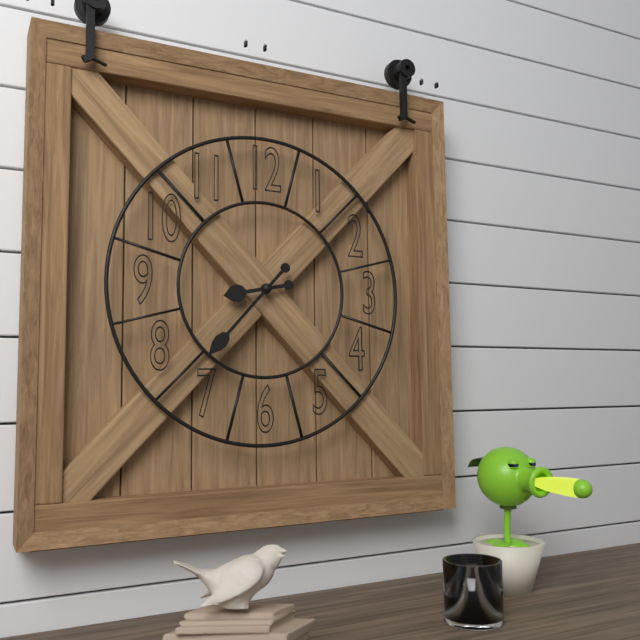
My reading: 8:37
